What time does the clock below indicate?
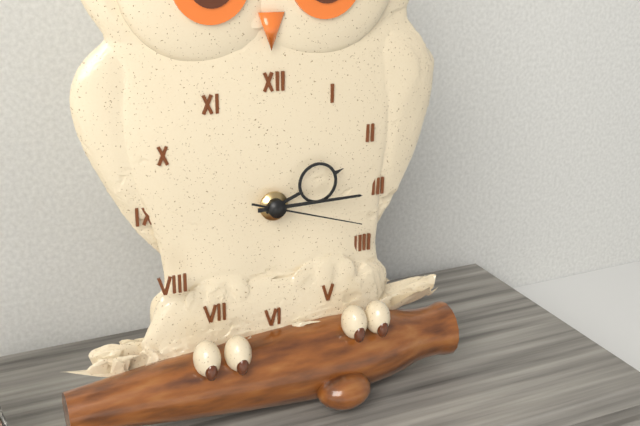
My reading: 2:15:18
